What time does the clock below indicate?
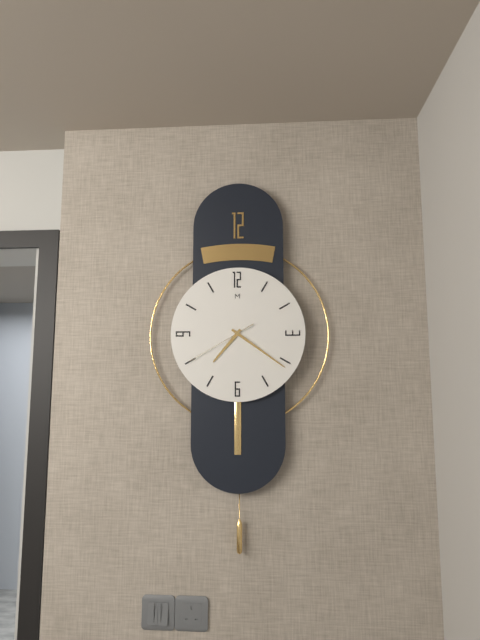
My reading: 7:21:40
